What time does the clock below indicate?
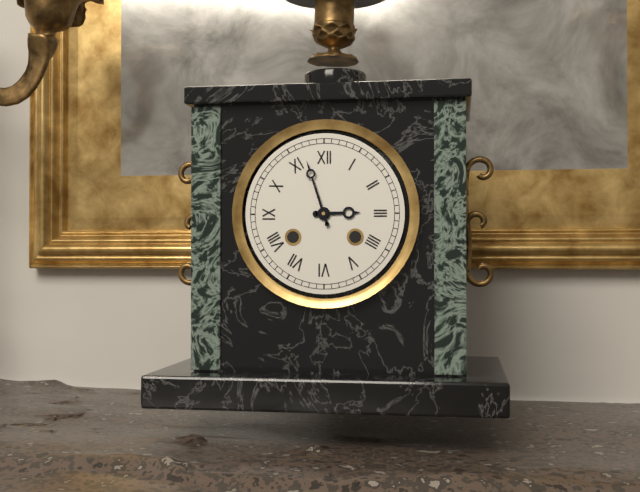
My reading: 2:57
